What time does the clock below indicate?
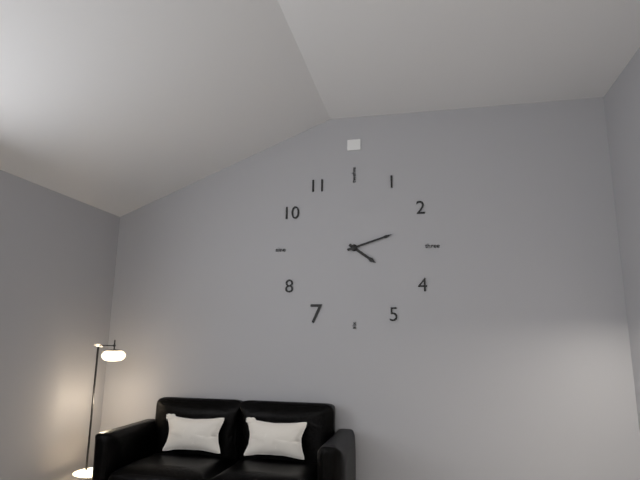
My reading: 4:12
